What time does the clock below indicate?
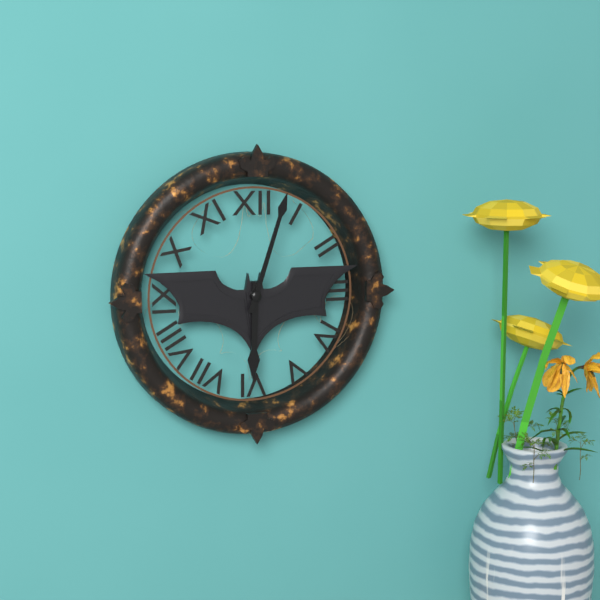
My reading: 6:03
